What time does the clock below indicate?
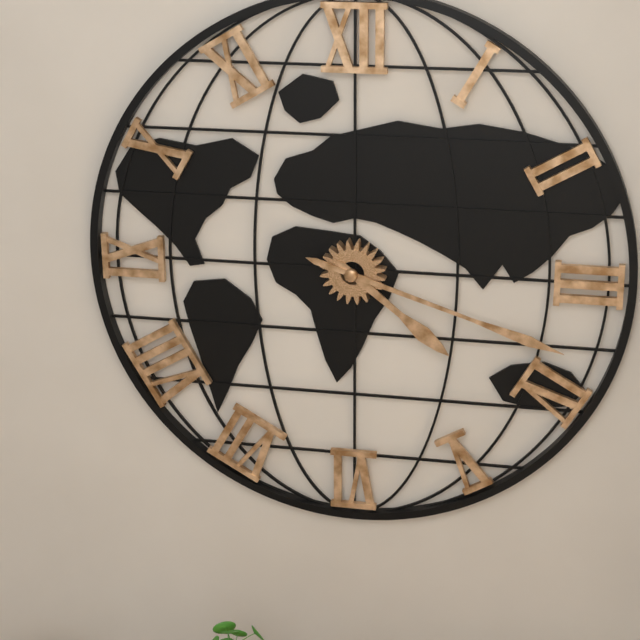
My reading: 4:18
